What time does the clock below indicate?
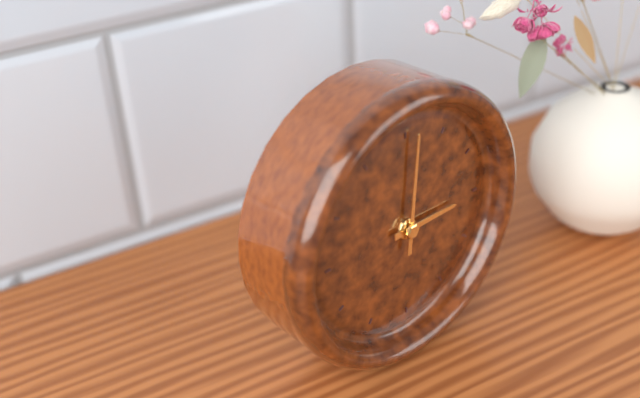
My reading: 3:01
